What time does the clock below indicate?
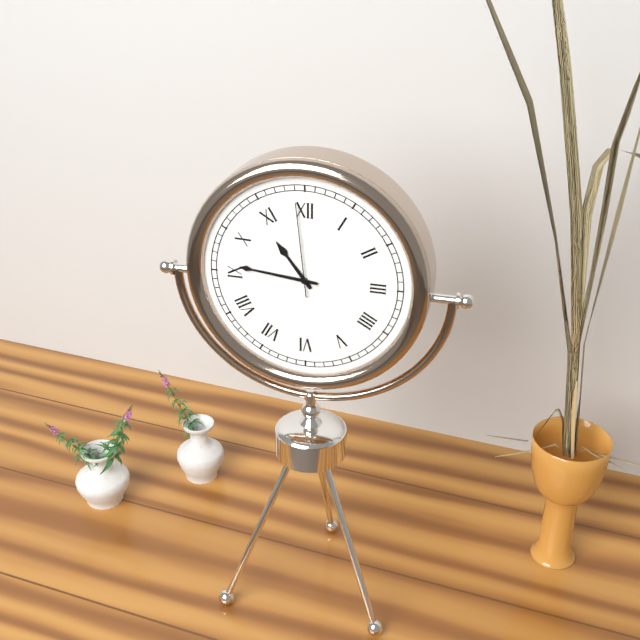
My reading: 10:46:59
